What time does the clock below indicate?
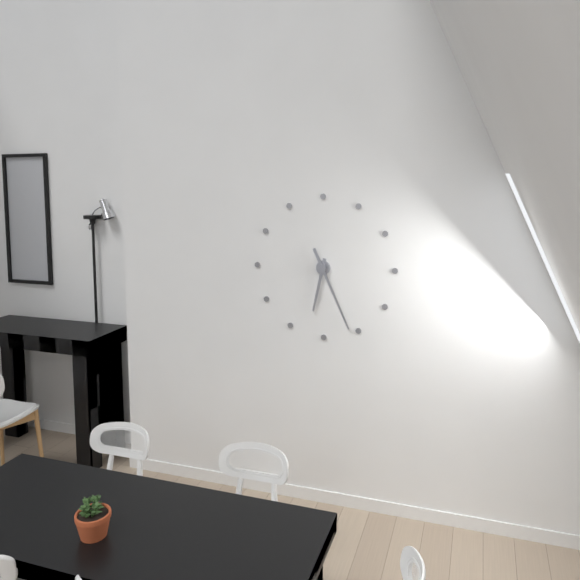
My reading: 6:26
